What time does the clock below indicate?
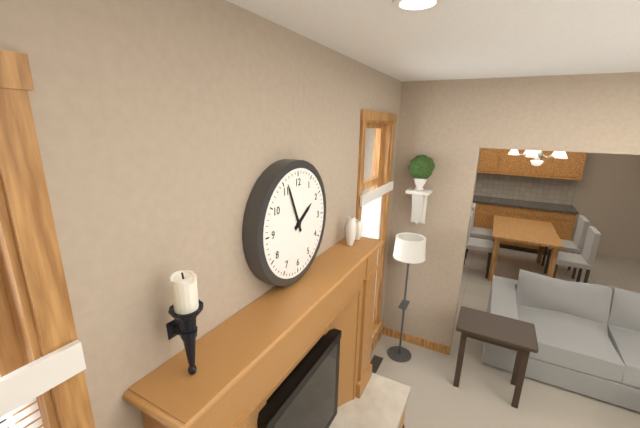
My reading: 1:56
